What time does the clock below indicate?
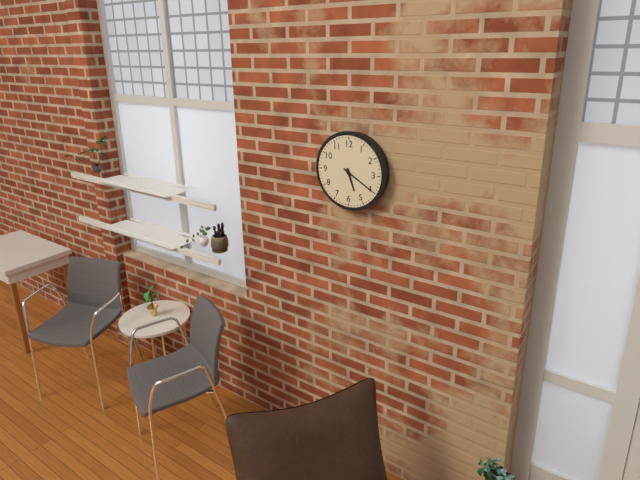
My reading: 5:20
